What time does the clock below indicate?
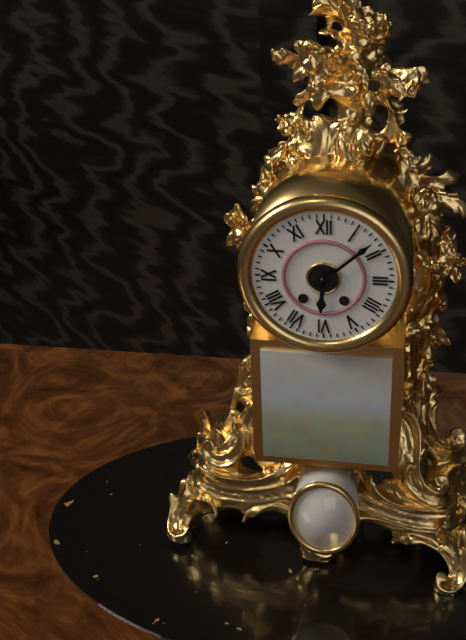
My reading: 6:08
